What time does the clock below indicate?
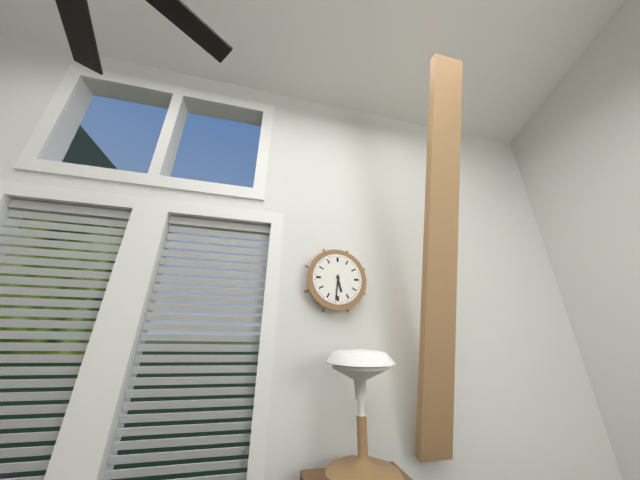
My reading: 5:31
